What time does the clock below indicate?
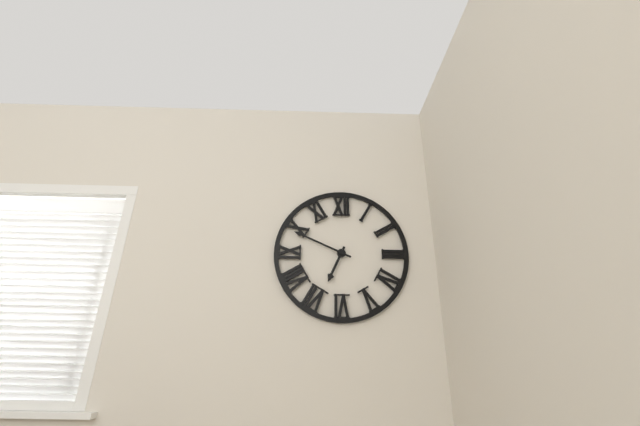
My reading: 6:49
